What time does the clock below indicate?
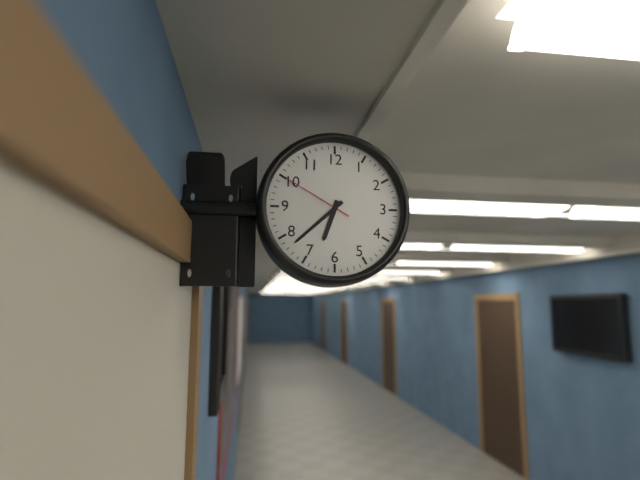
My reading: 6:38:50
